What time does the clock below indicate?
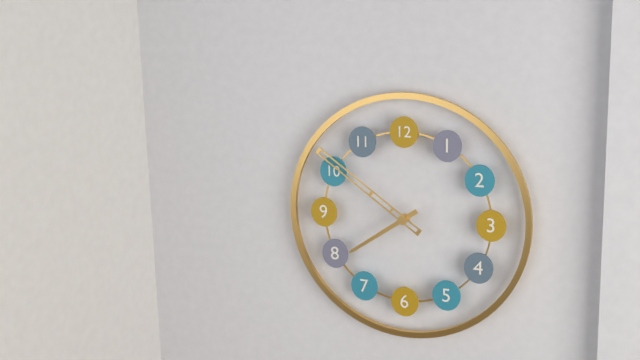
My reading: 7:51
